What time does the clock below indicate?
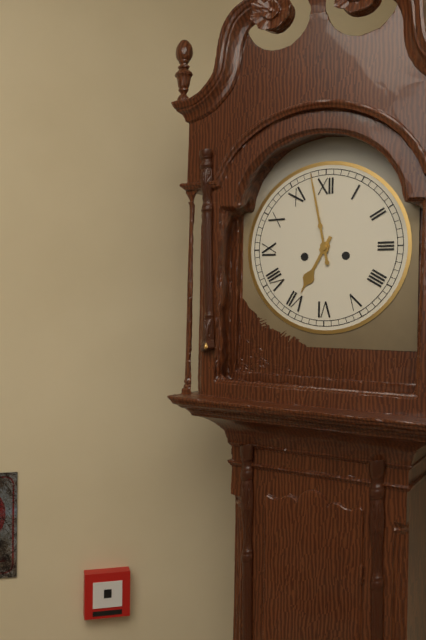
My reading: 6:58
